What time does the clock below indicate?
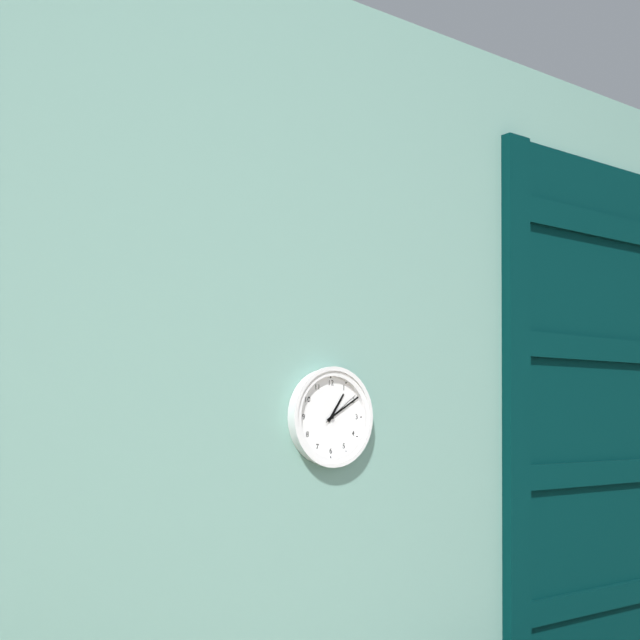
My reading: 1:10
